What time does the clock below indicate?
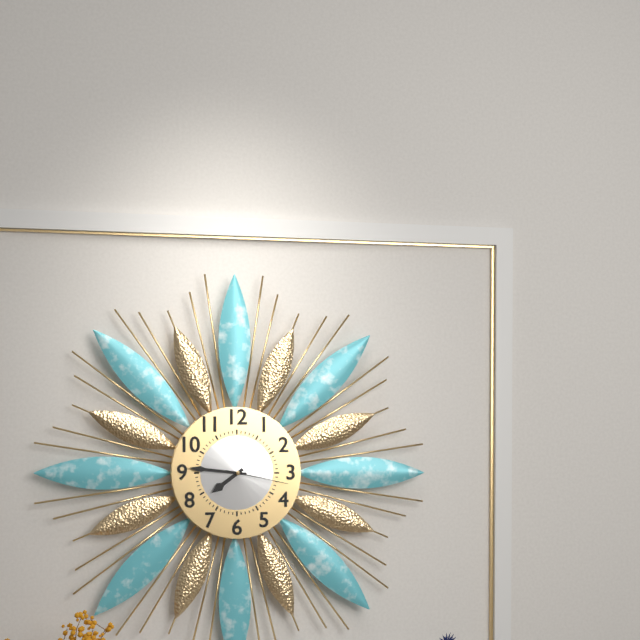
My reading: 7:46:17
